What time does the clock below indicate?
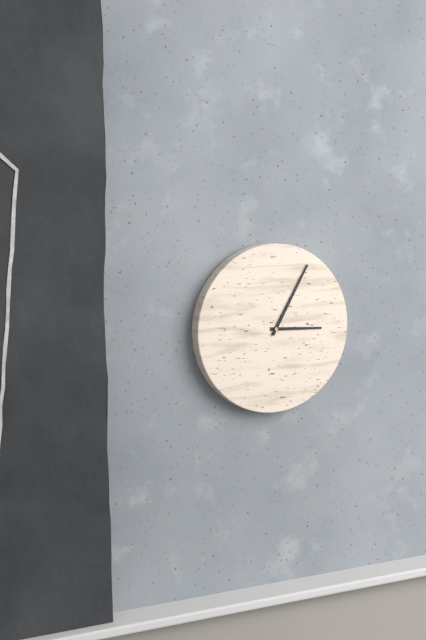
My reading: 3:05
